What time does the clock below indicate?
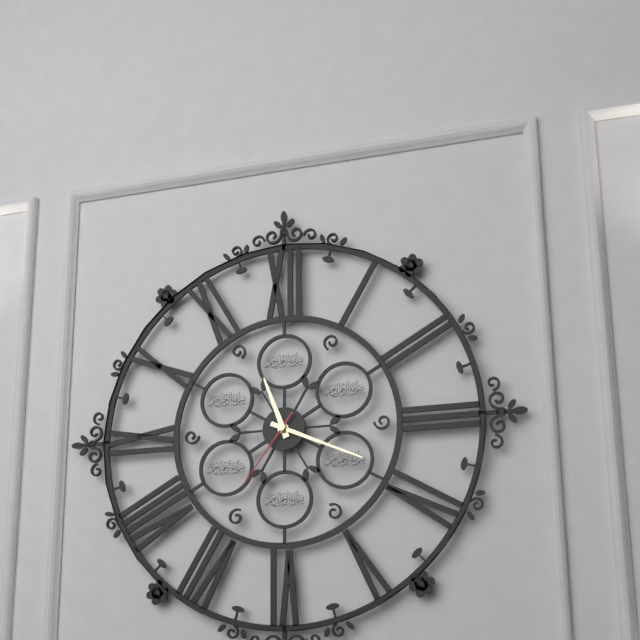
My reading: 11:19:36
